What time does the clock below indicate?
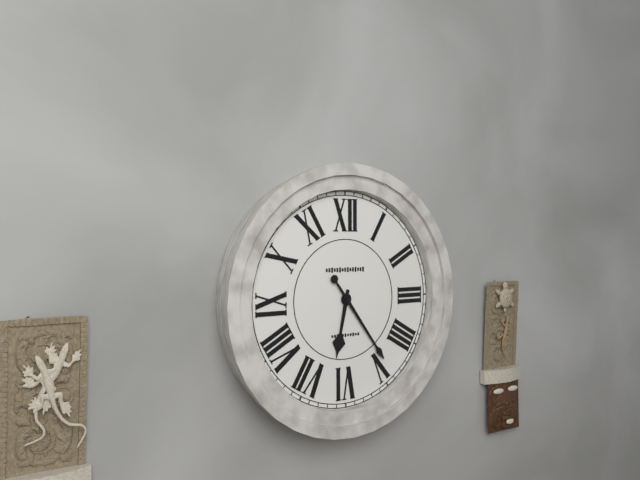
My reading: 6:24
